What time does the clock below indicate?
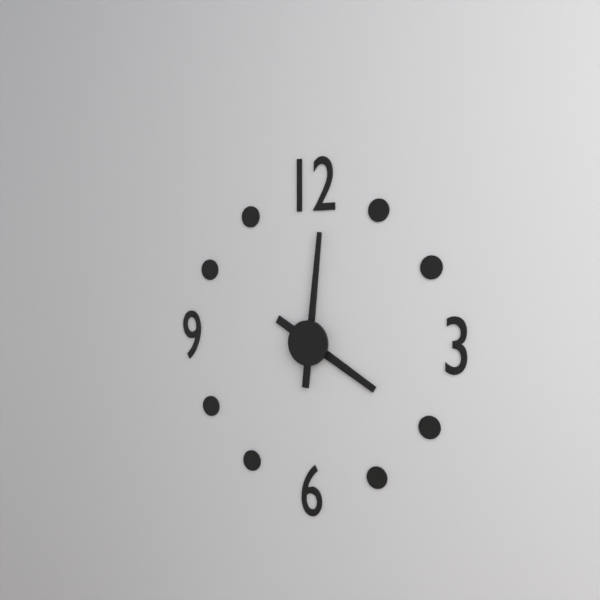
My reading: 4:01
